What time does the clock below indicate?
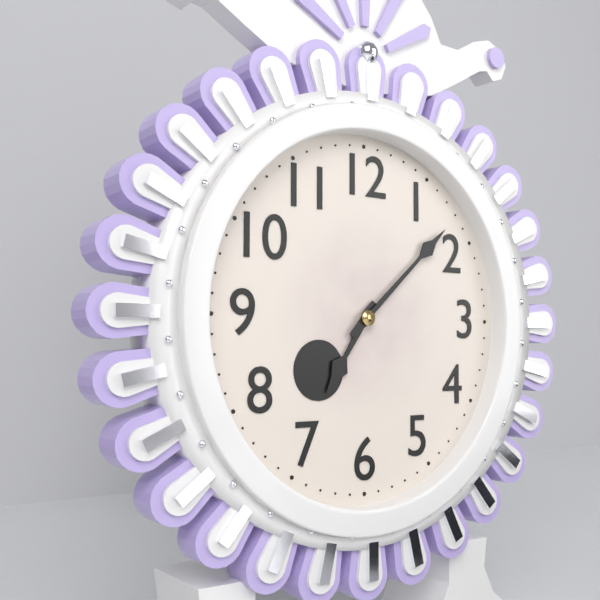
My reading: 7:08
